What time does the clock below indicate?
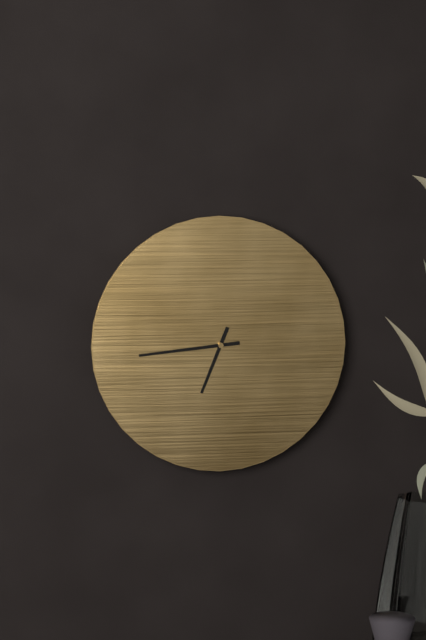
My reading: 6:44
